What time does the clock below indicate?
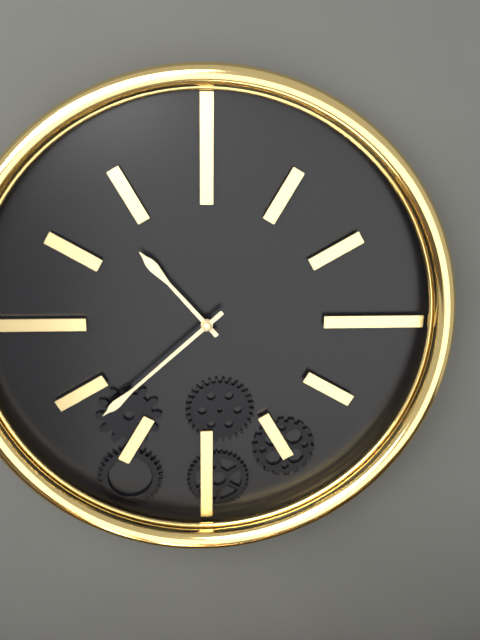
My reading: 10:38
